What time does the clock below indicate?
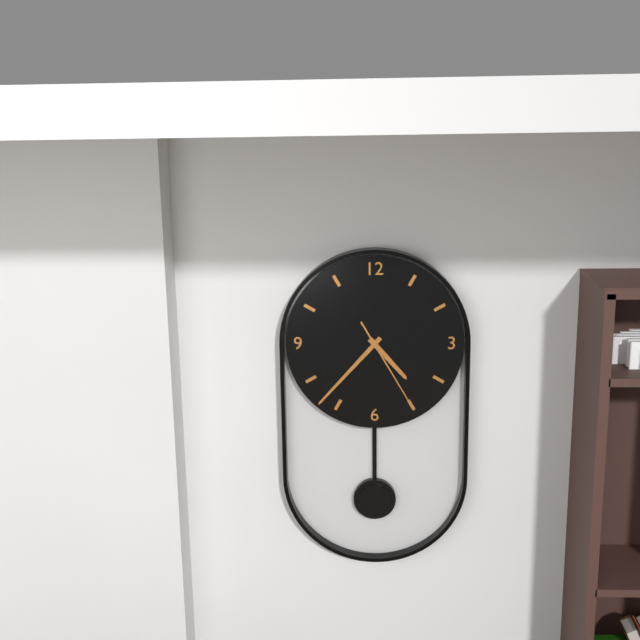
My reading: 4:37:25
